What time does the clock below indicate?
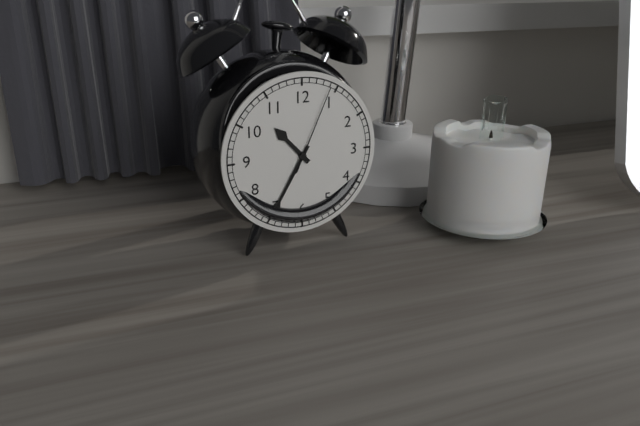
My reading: 10:35:04
